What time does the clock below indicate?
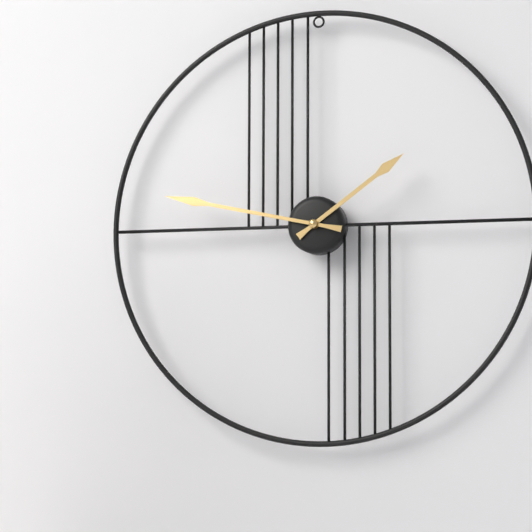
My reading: 1:47
